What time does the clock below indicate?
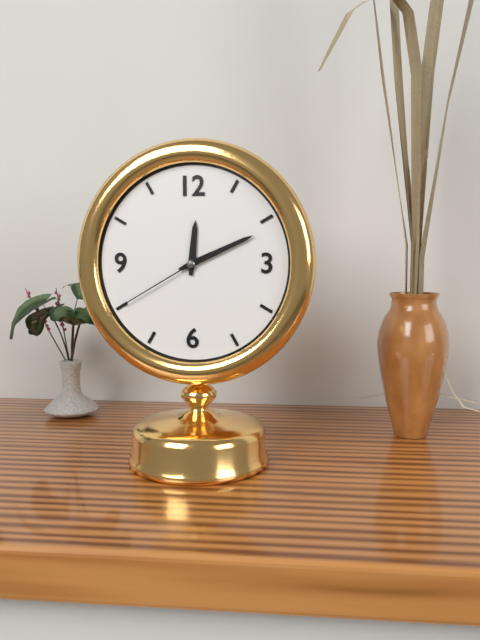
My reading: 12:11:40
